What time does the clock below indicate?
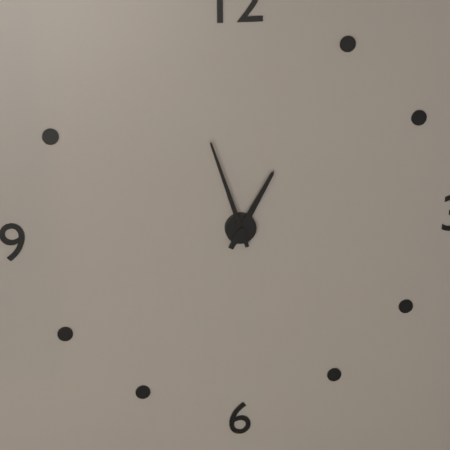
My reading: 12:57
